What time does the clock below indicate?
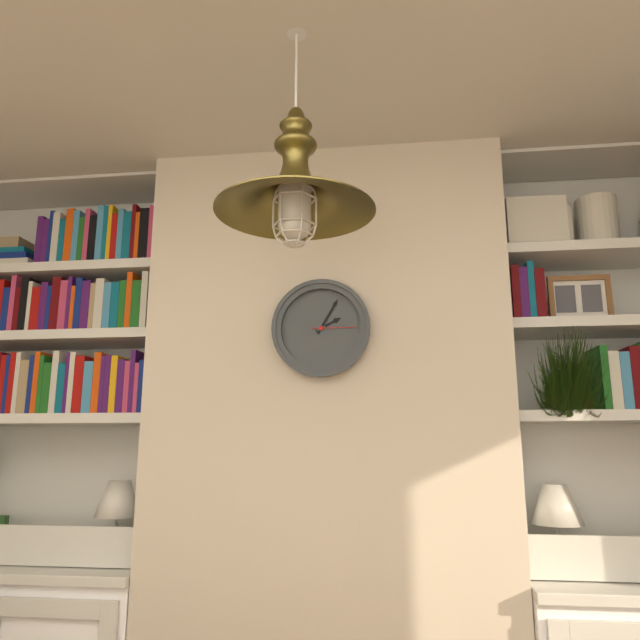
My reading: 2:05
